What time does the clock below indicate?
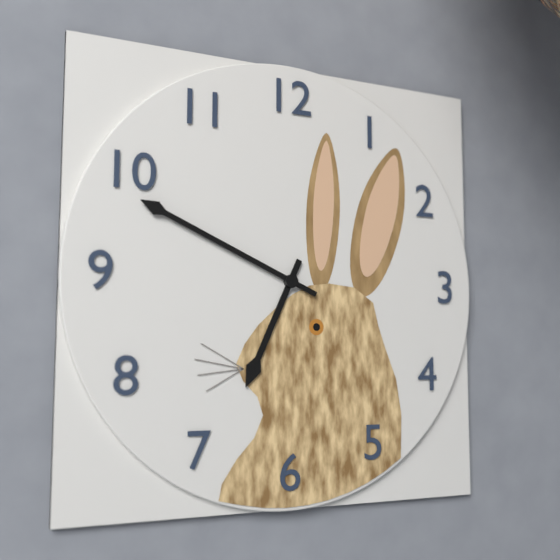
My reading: 6:49
